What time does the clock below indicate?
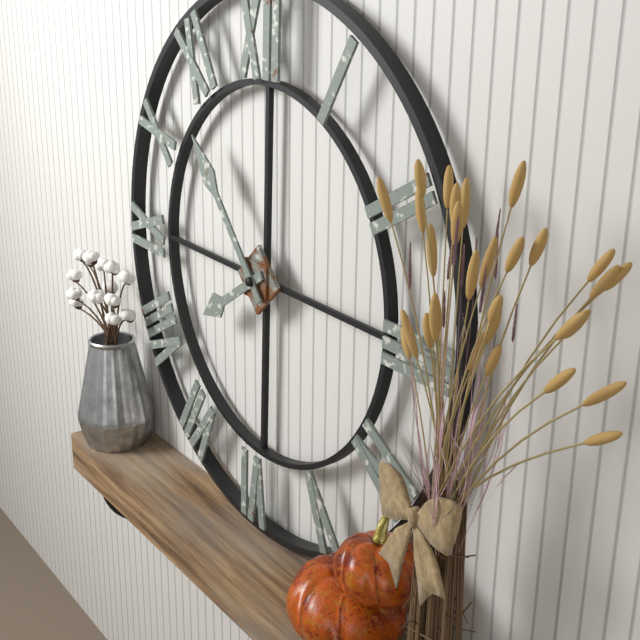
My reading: 7:53
